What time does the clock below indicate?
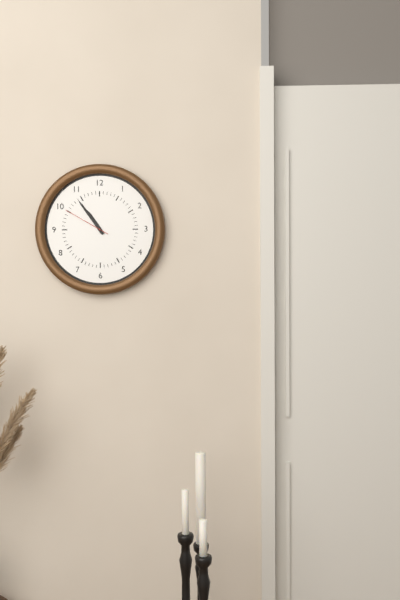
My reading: 10:54
